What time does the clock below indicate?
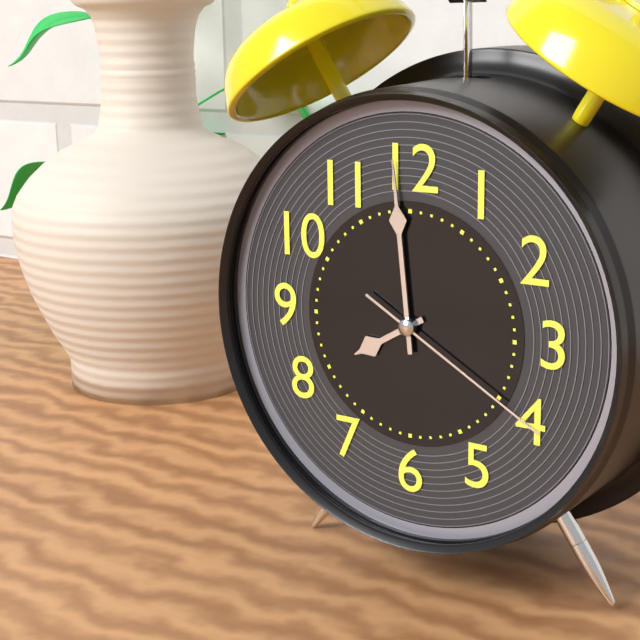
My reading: 7:59:20
